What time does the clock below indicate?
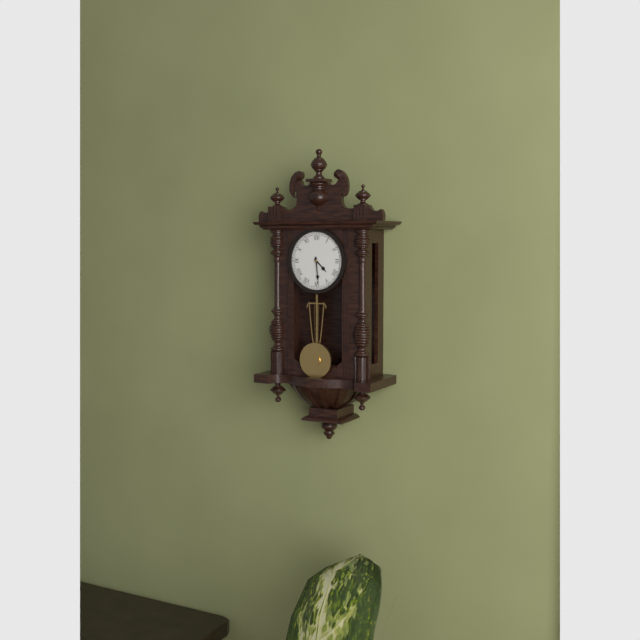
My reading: 4:29
